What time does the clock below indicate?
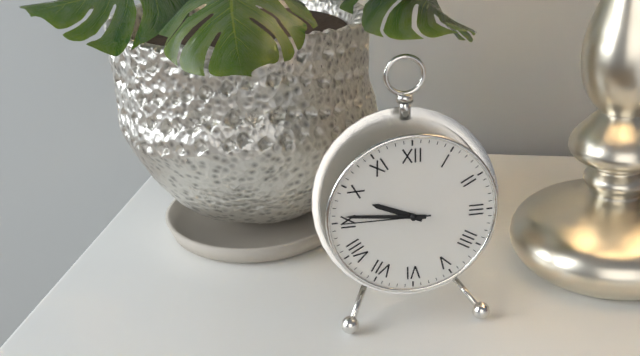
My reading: 9:46:45
